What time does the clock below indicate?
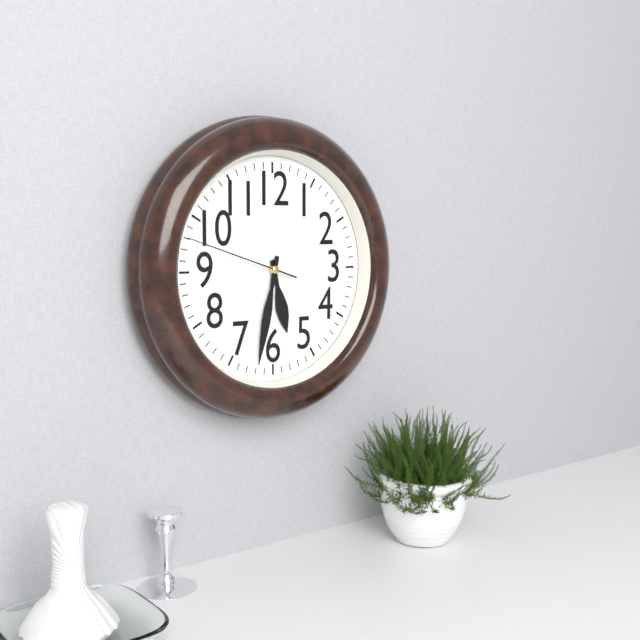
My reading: 5:32:48
